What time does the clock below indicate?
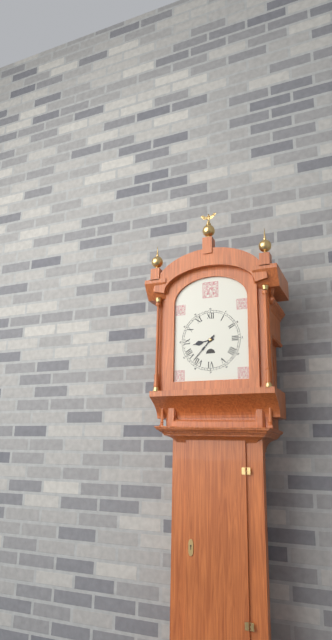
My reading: 8:37
